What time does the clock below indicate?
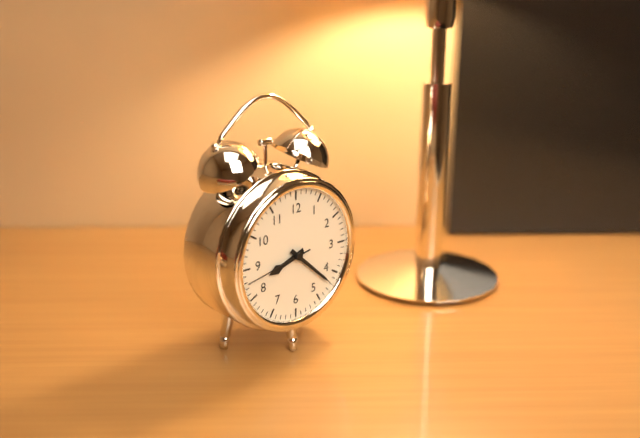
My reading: 8:22:43
